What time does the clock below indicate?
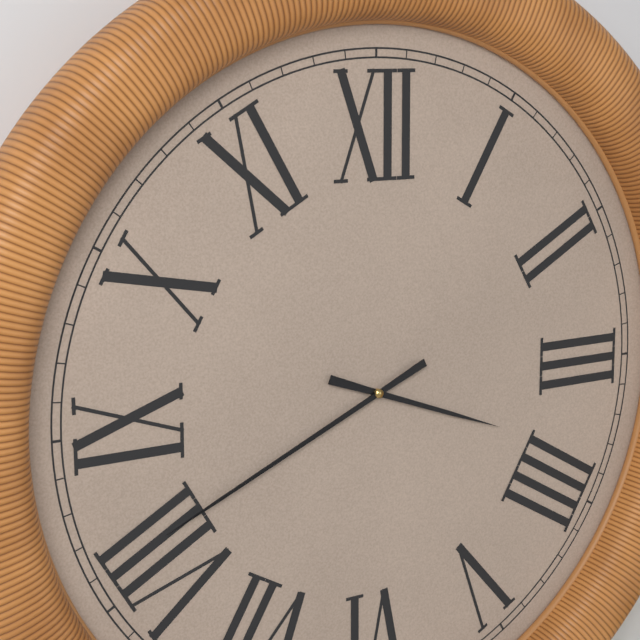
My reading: 3:41
